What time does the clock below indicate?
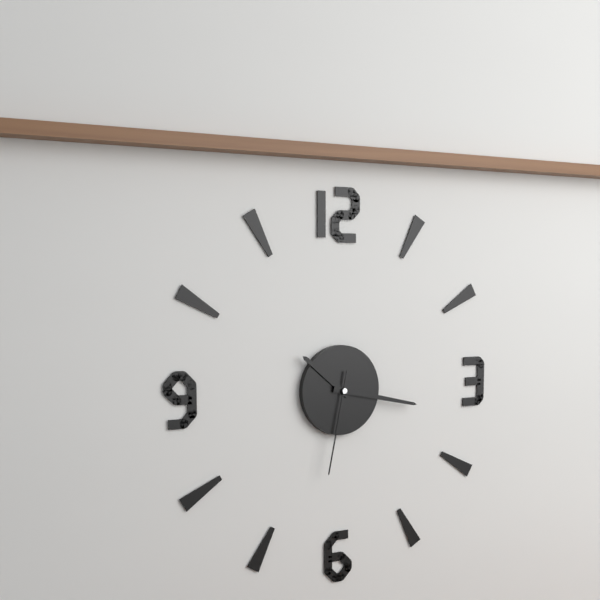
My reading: 10:17:32
